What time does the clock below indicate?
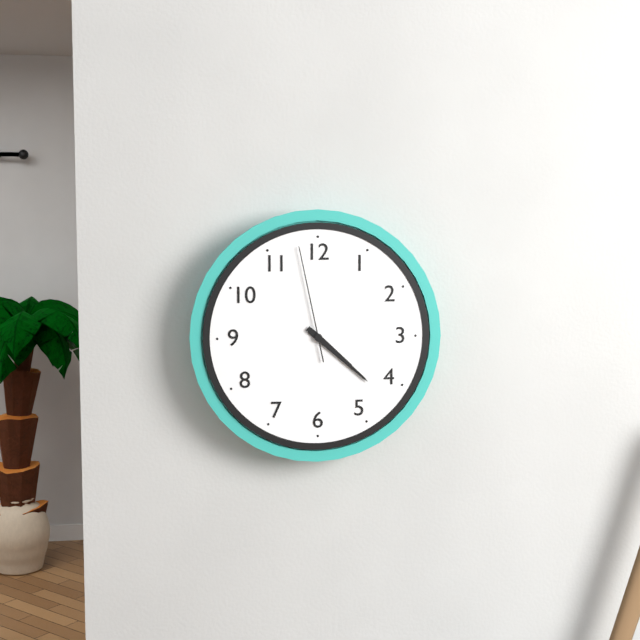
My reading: 4:22:58
